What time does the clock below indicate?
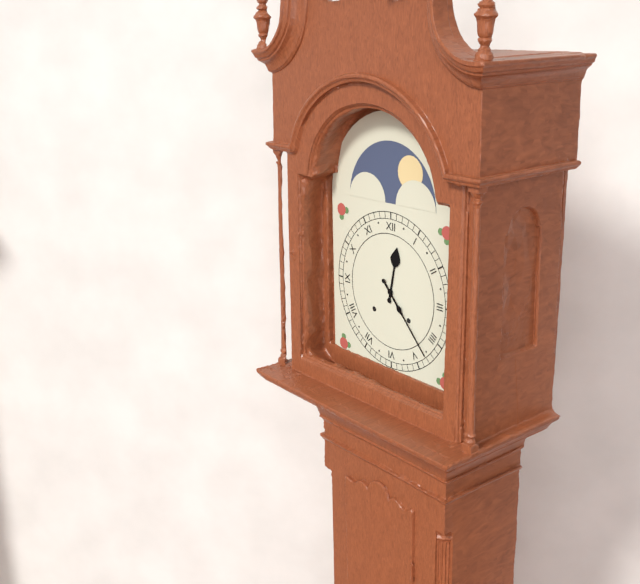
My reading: 12:23
